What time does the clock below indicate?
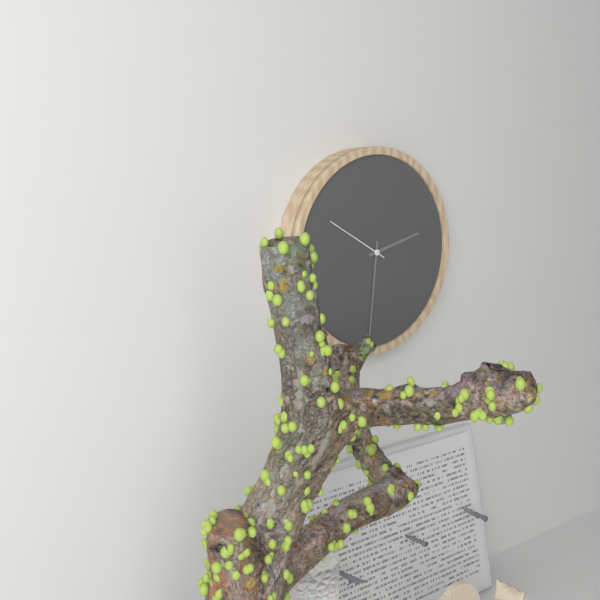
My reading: 2:31:50
